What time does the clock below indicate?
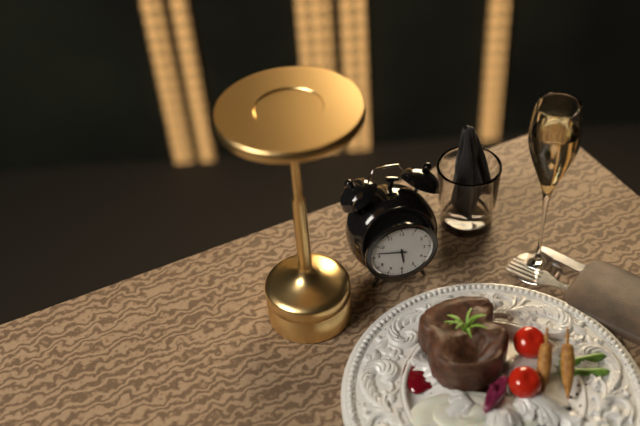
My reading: 5:47
